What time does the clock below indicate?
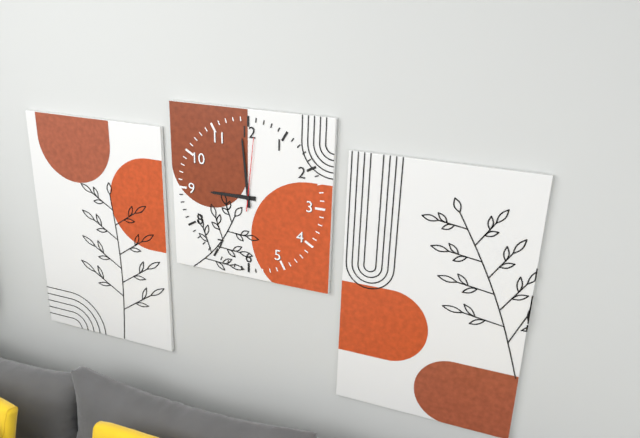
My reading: 8:59:01
